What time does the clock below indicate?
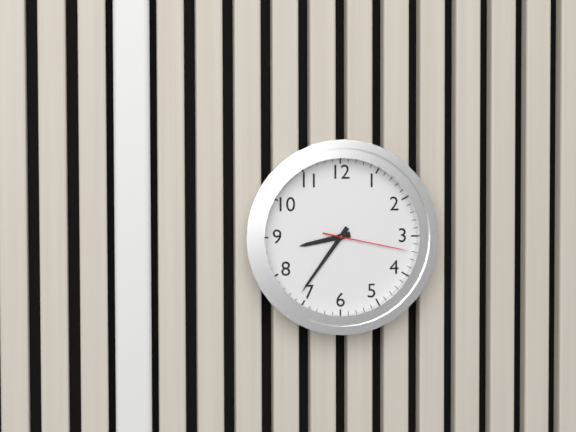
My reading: 8:36:17
